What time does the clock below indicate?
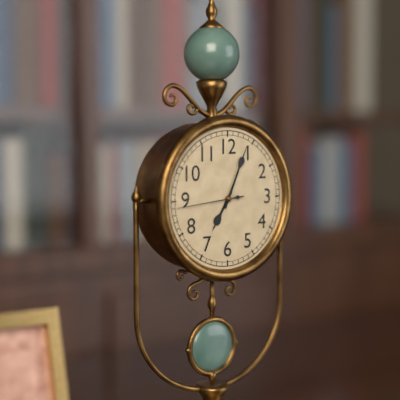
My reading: 7:04:44
